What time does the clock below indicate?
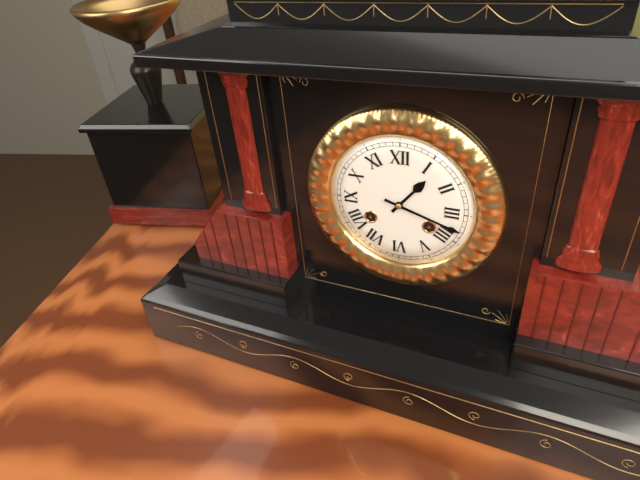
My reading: 1:18
